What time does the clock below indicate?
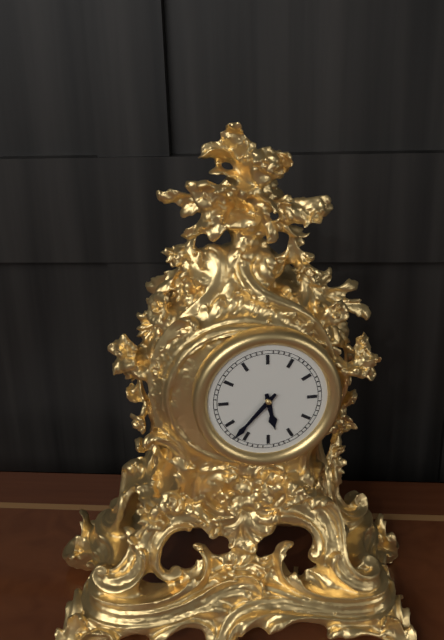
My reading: 5:37
